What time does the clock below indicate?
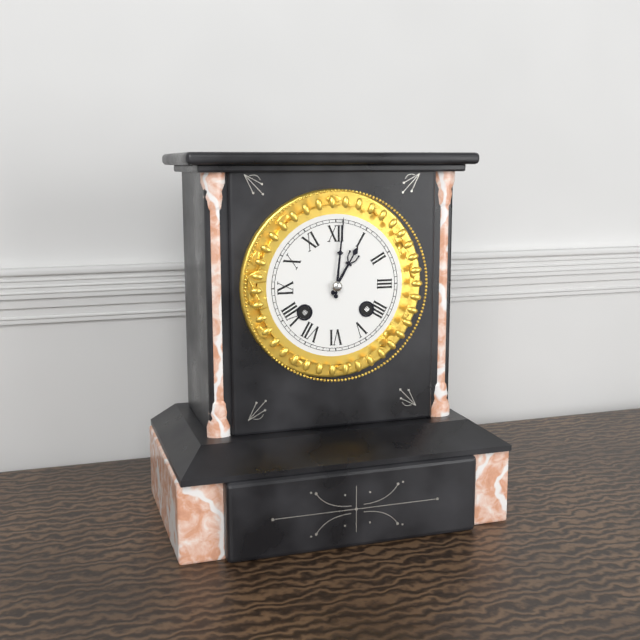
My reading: 1:01
